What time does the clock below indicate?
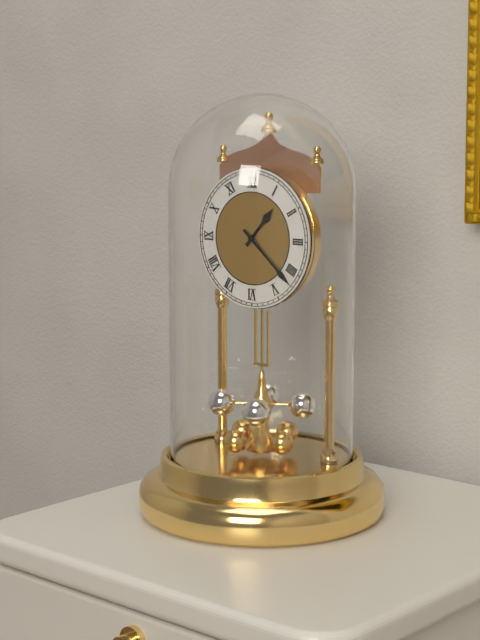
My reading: 1:22
